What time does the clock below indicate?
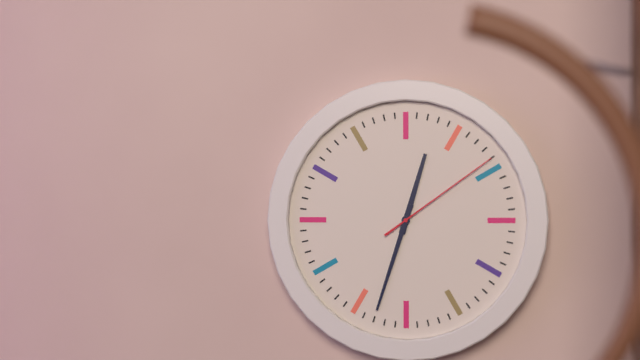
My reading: 12:33:09
